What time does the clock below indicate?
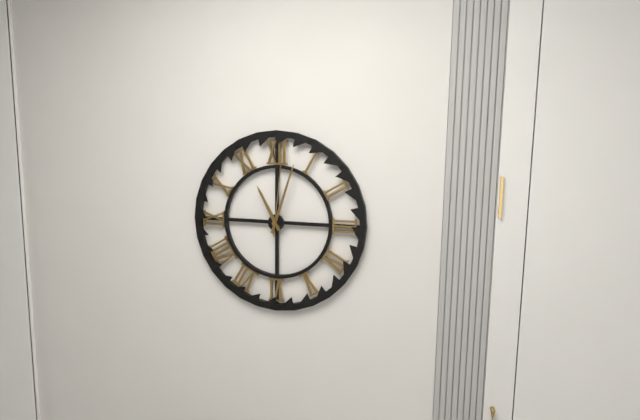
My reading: 11:03:01
